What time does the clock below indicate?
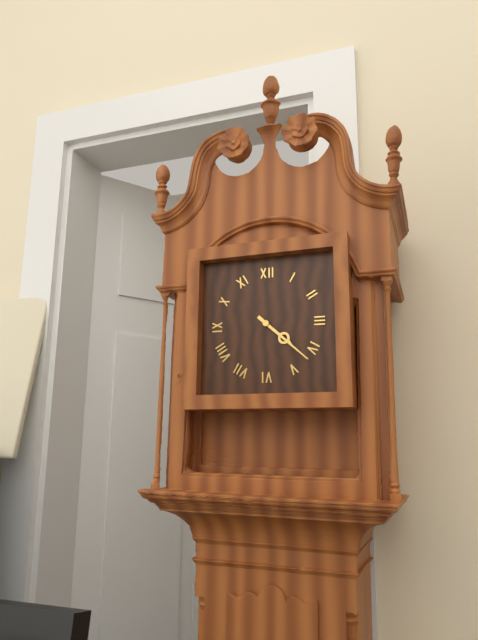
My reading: 4:22
